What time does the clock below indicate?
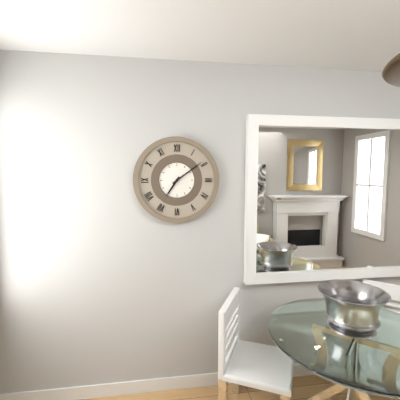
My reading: 7:09
